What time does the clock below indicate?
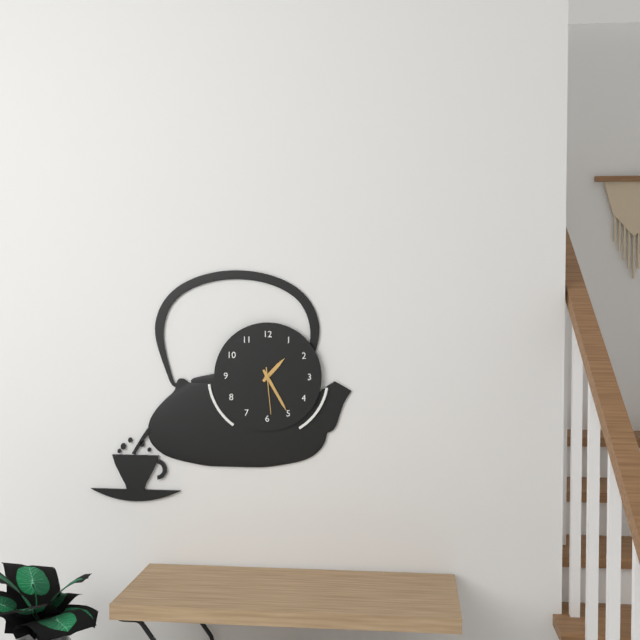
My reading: 1:25
